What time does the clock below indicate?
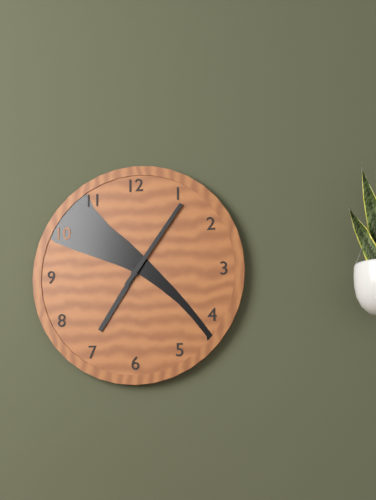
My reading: 7:06
